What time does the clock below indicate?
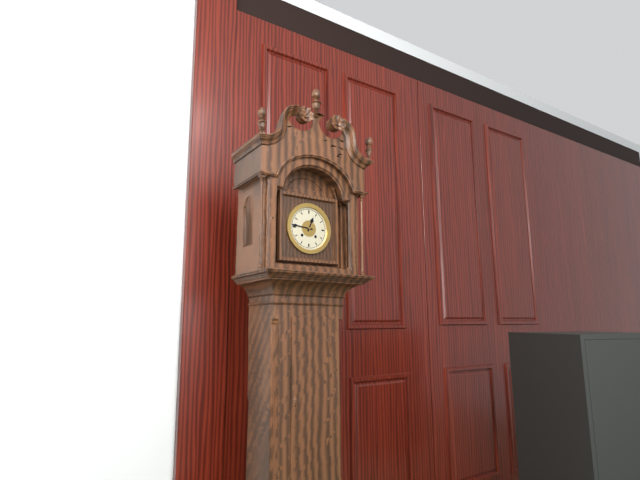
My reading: 12:46
